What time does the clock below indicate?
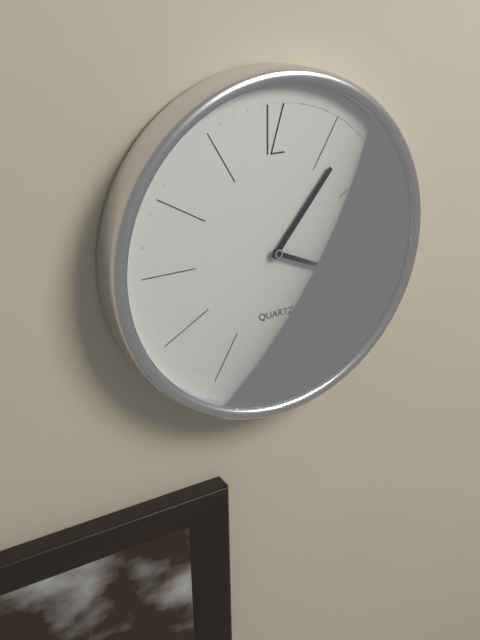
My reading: 1:19
